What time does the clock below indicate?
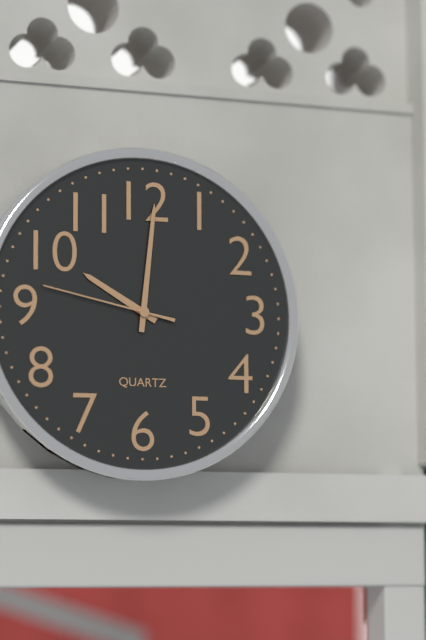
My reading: 10:01:47
